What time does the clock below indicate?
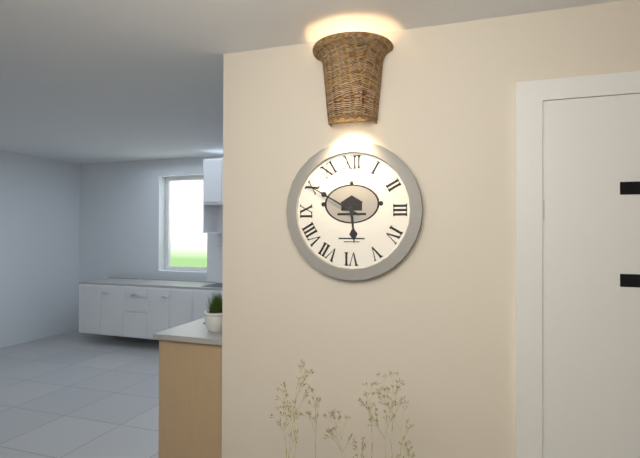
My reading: 5:50
